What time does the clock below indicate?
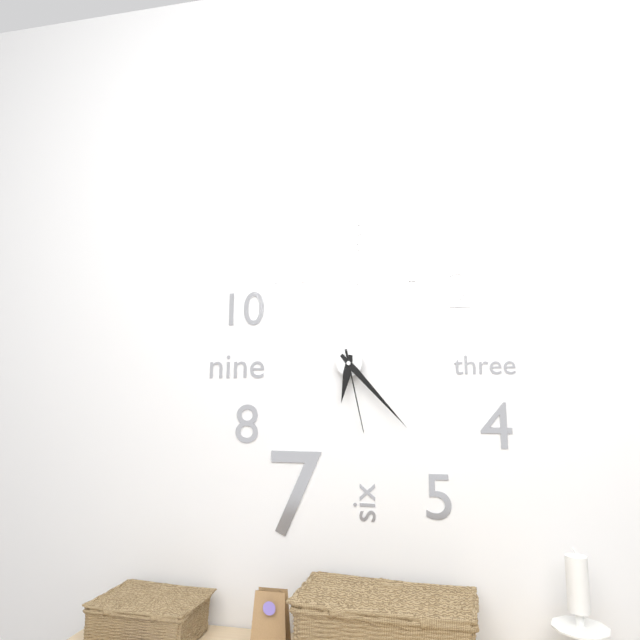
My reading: 6:23:28
